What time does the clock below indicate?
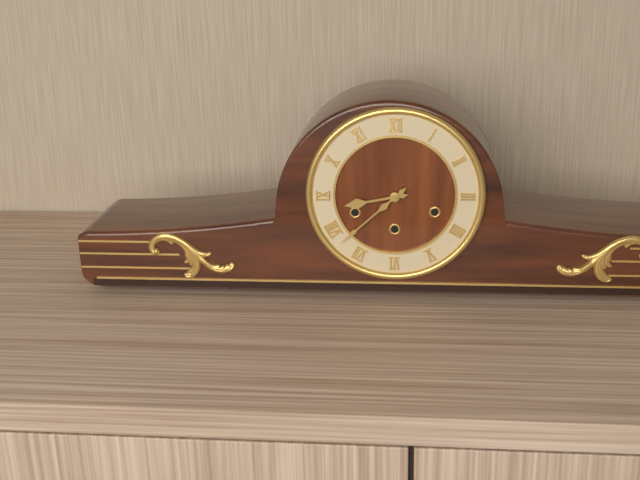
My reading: 8:38
